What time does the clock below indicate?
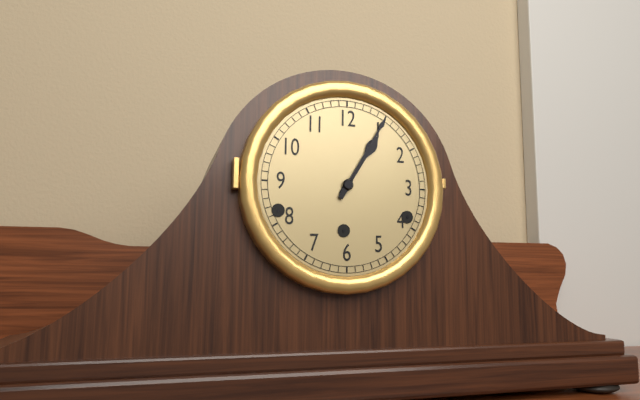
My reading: 1:05
